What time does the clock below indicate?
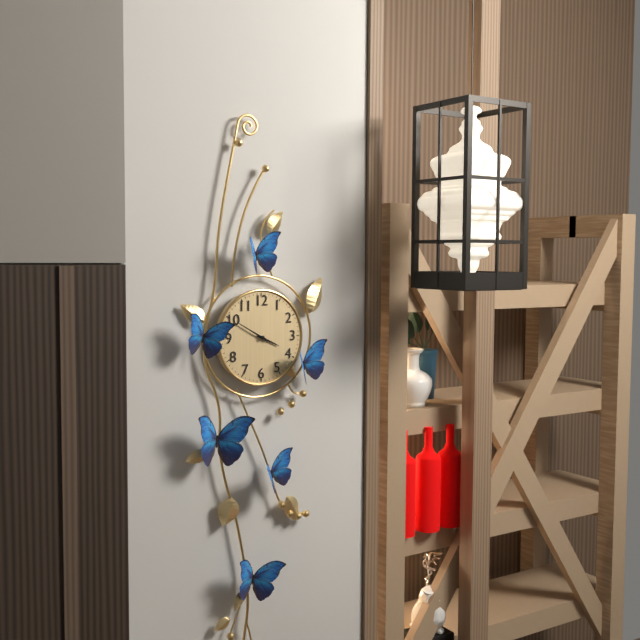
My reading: 3:50
